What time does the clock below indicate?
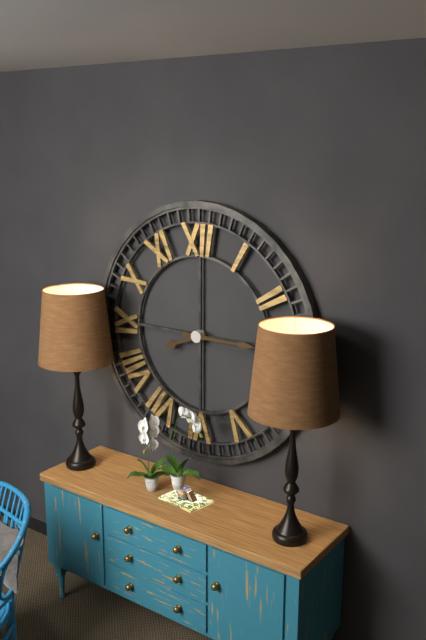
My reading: 8:15
